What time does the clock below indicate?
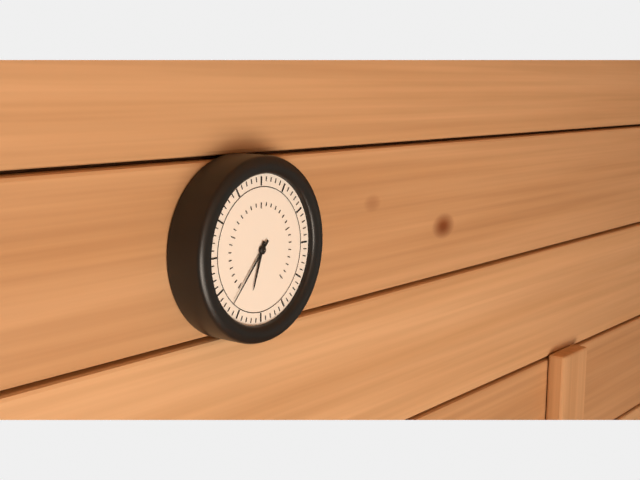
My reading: 6:37
